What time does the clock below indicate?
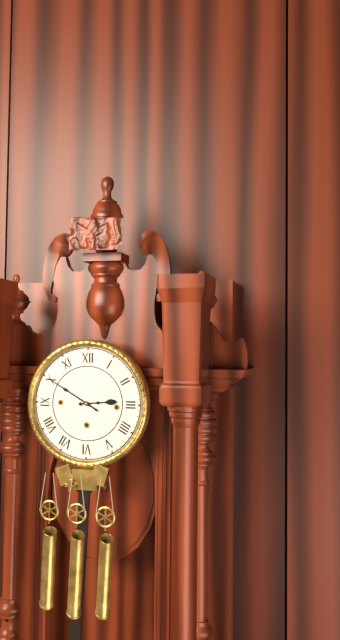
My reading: 2:50
